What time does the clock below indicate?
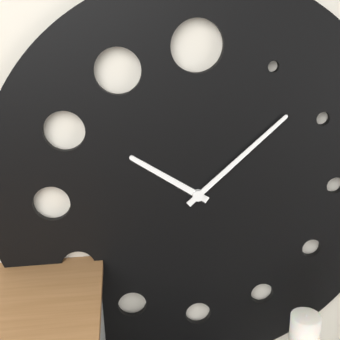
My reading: 10:08
